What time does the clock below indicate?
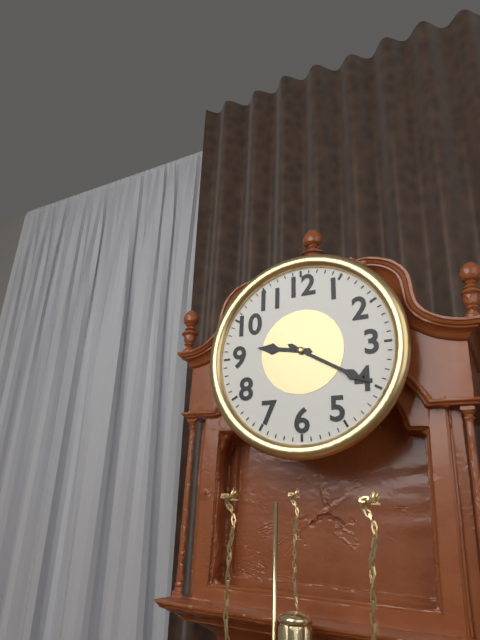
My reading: 9:20
